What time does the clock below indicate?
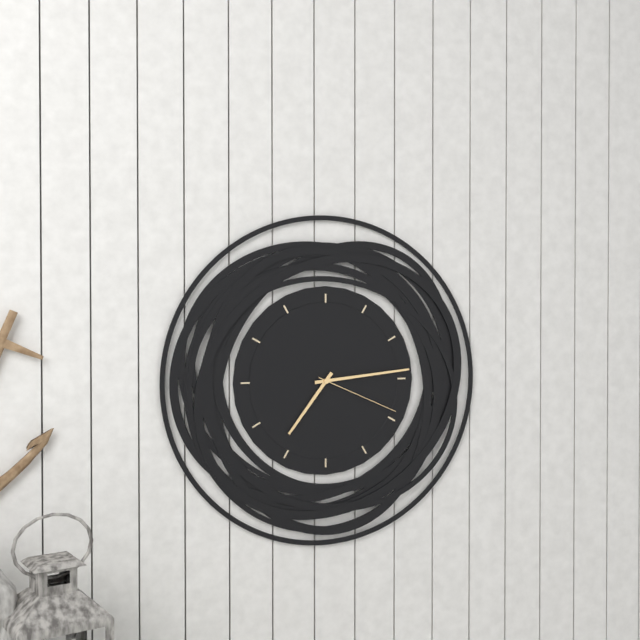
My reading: 7:14:19
